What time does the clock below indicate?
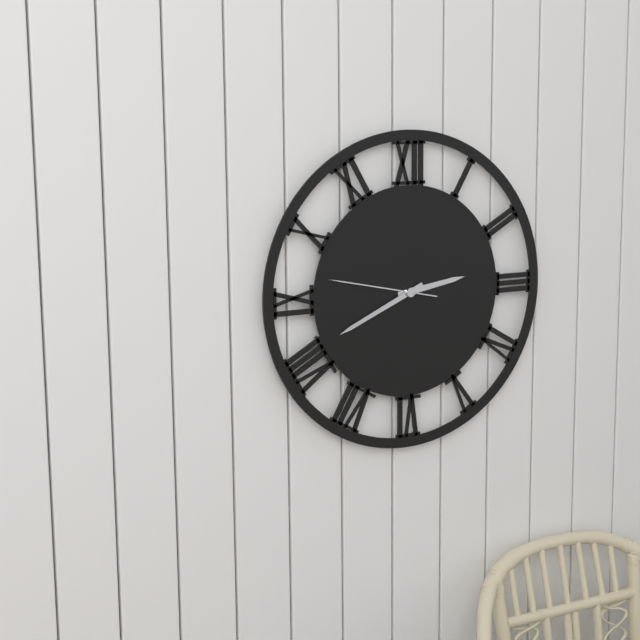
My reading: 2:41:47
